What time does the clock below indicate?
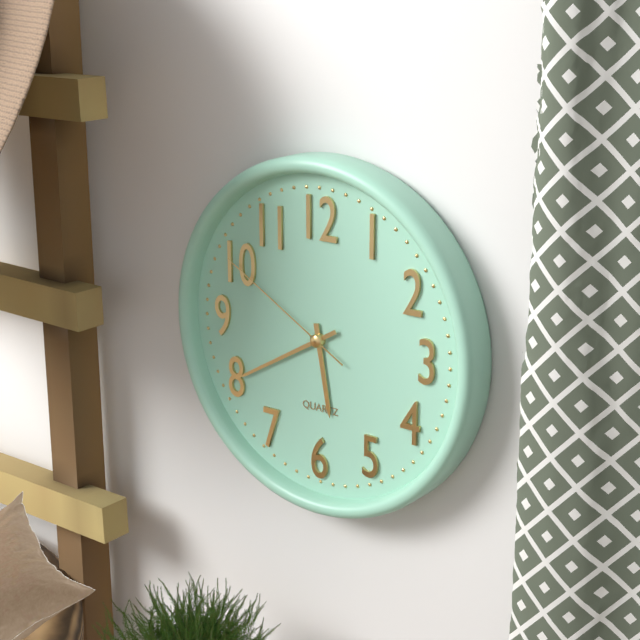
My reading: 5:40:50
